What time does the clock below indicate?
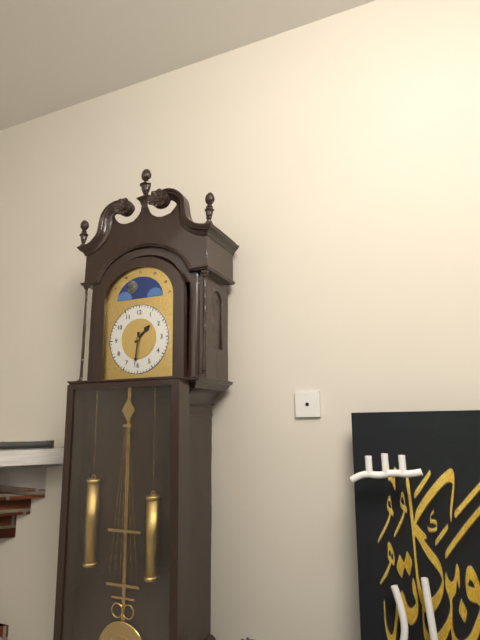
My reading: 1:31
